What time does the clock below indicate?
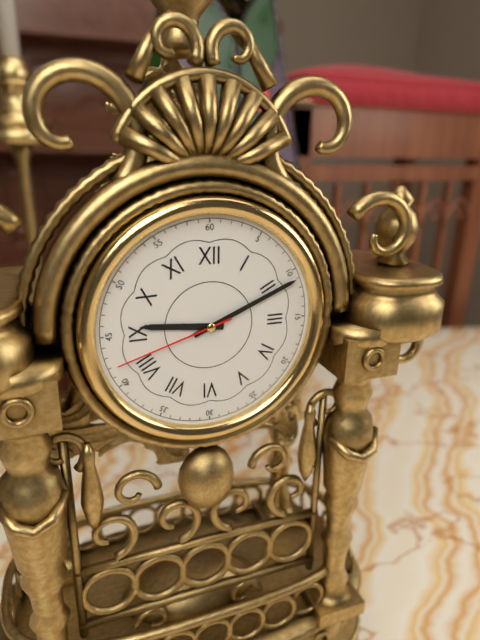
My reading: 9:11:42
